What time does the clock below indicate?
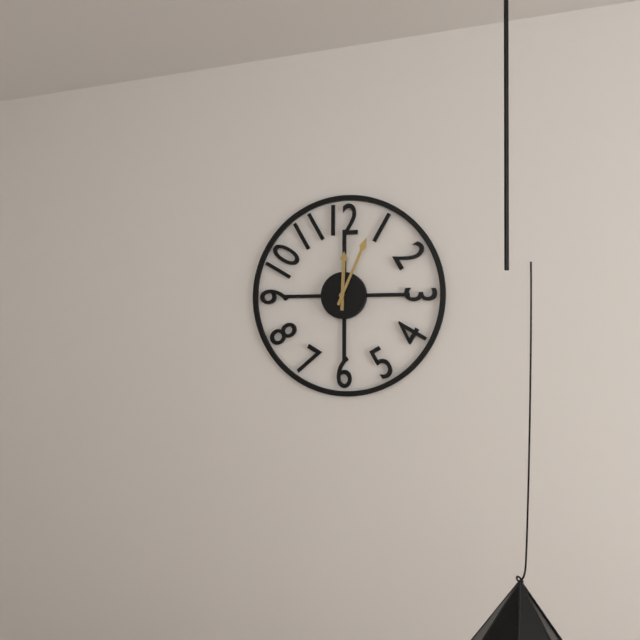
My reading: 12:04
